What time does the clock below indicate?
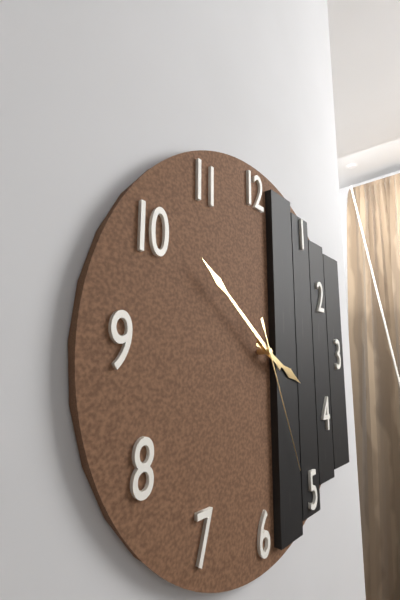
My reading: 3:51:26
